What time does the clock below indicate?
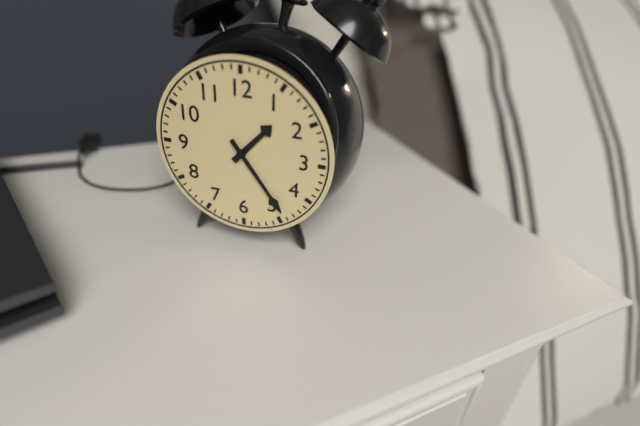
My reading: 1:24
